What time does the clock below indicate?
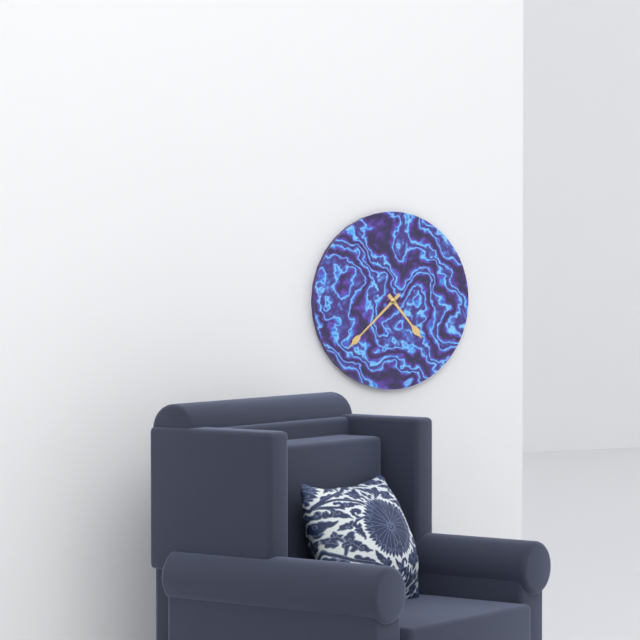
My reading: 4:38
